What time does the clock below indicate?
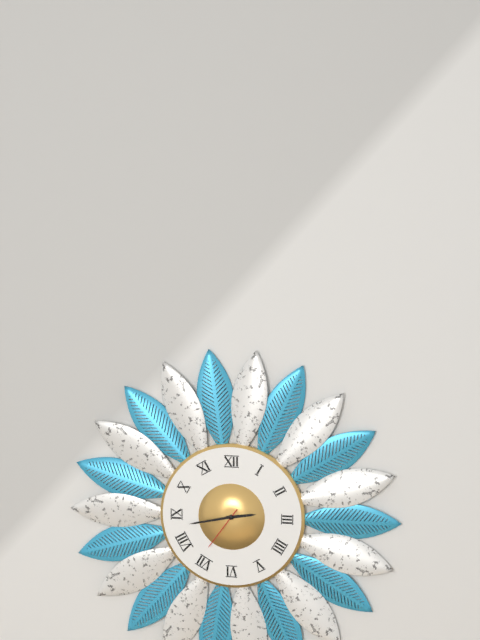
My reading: 2:43:36
